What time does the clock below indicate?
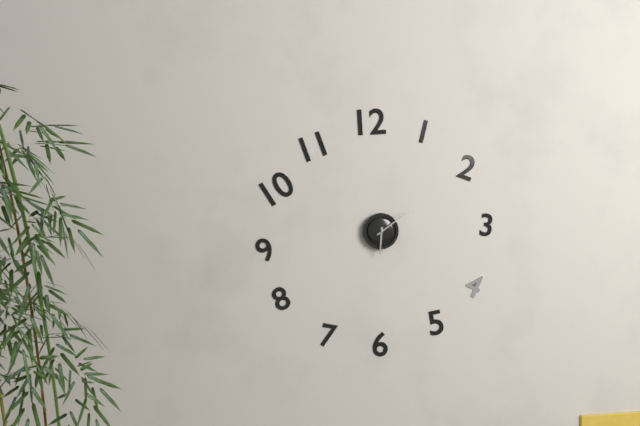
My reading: 6:09
